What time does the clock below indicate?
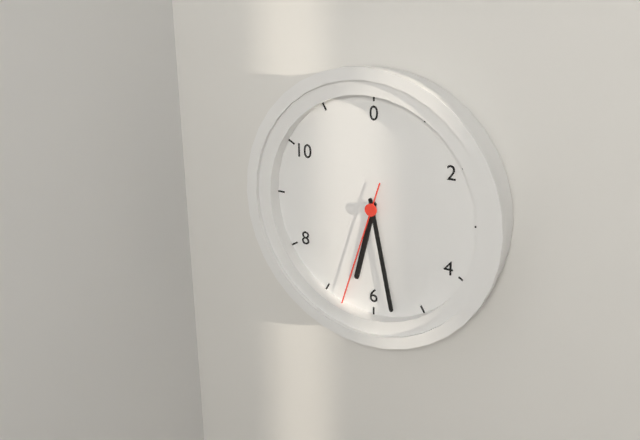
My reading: 6:28:33
